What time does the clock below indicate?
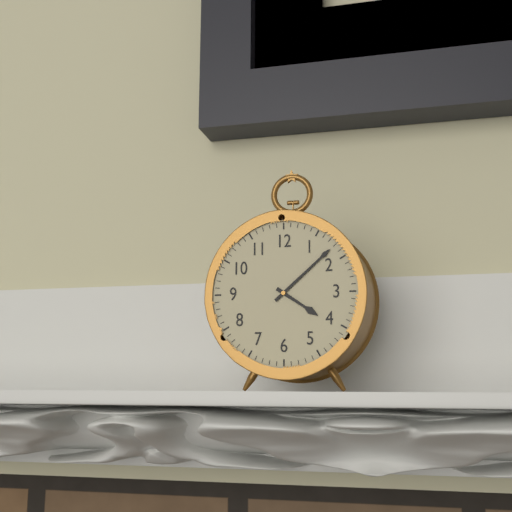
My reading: 4:08
